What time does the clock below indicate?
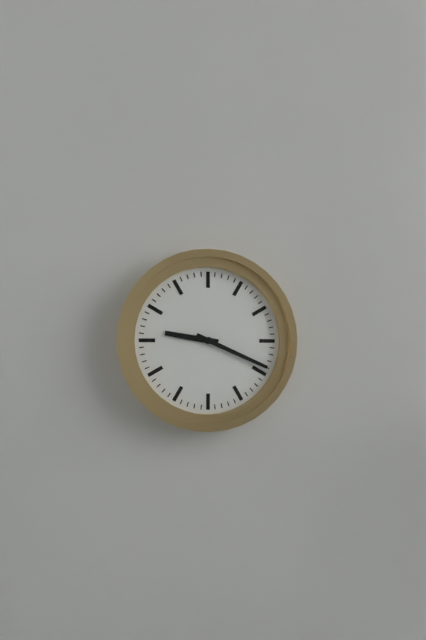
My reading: 9:19
